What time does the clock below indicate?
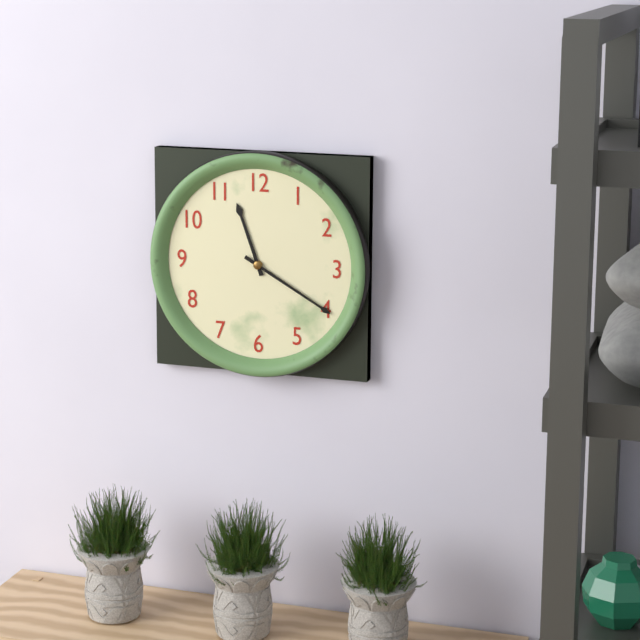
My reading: 11:20
